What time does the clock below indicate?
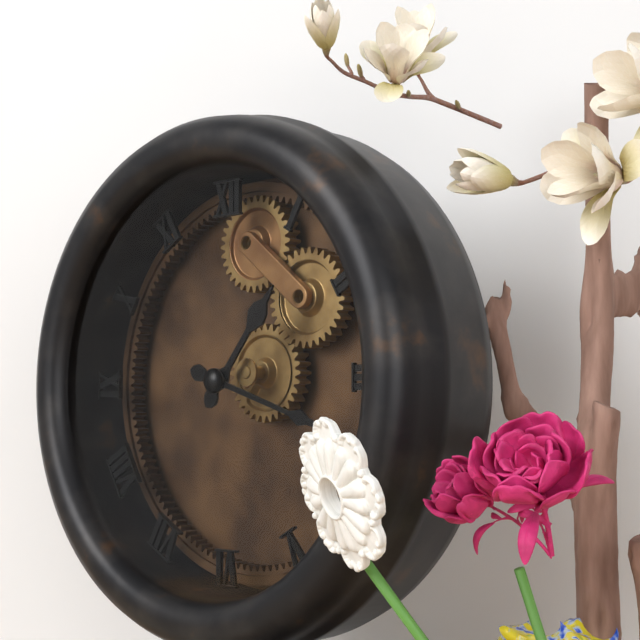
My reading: 1:18
